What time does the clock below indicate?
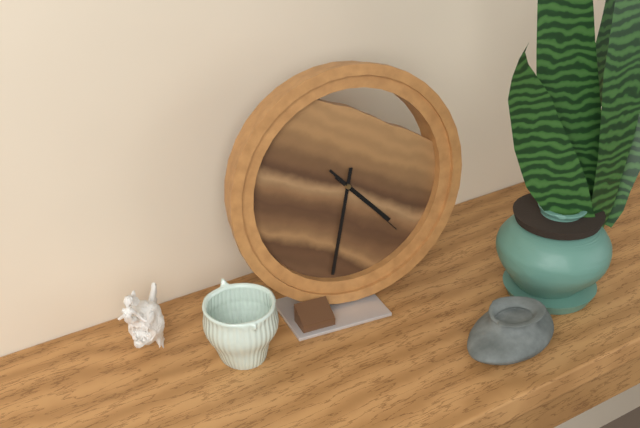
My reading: 4:32:23
